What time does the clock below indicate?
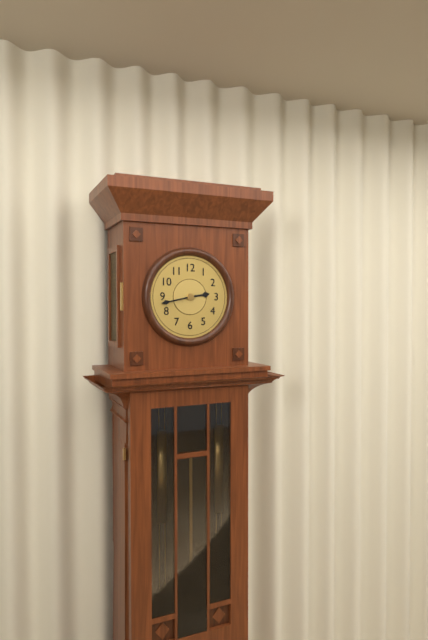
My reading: 2:43
